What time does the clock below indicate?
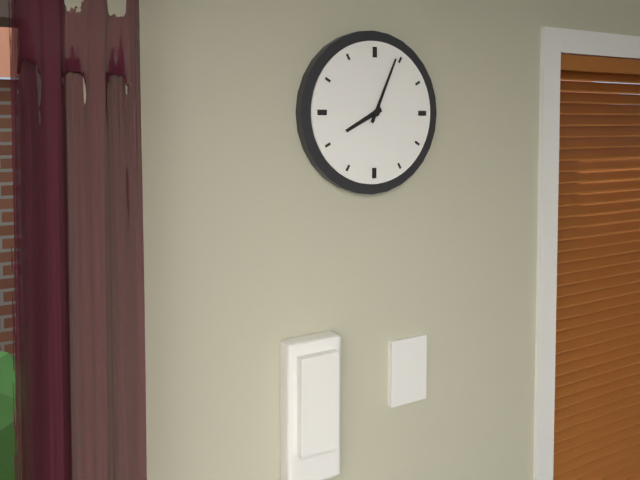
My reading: 8:04
